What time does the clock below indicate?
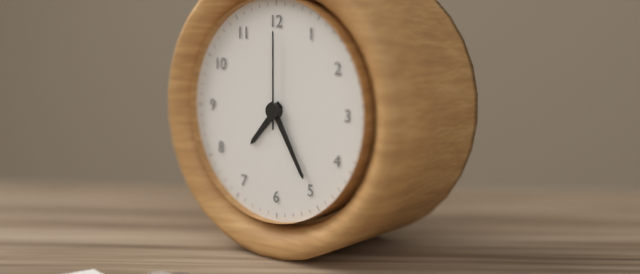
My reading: 7:25:00
